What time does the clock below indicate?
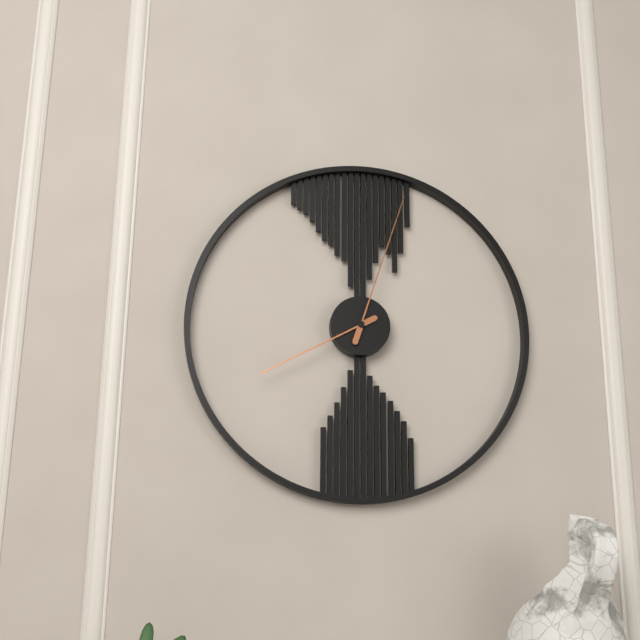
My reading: 8:03
